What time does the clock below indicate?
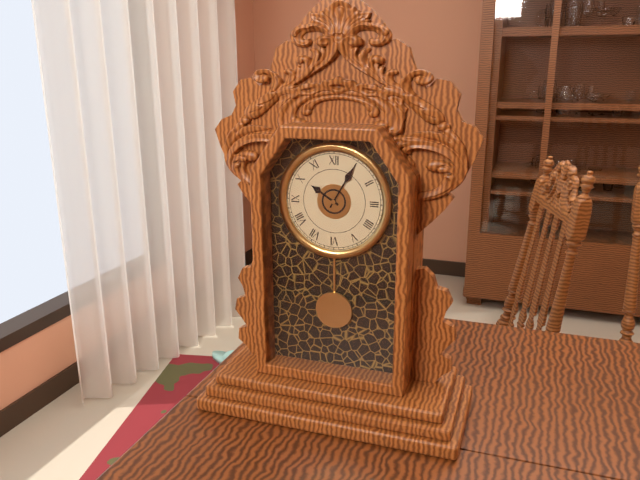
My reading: 10:05
